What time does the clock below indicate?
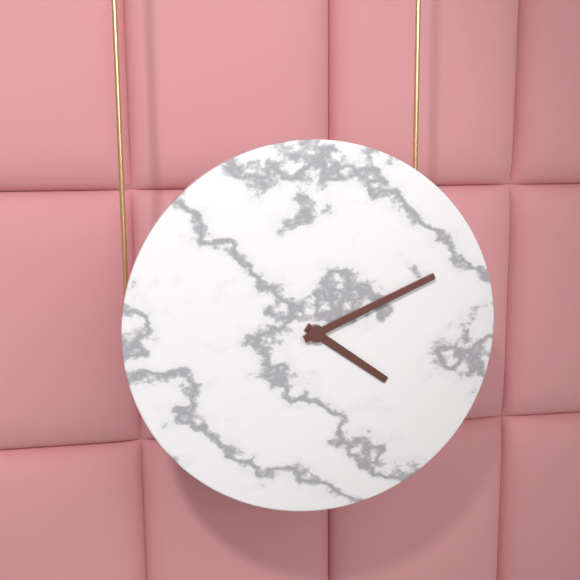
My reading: 4:11
